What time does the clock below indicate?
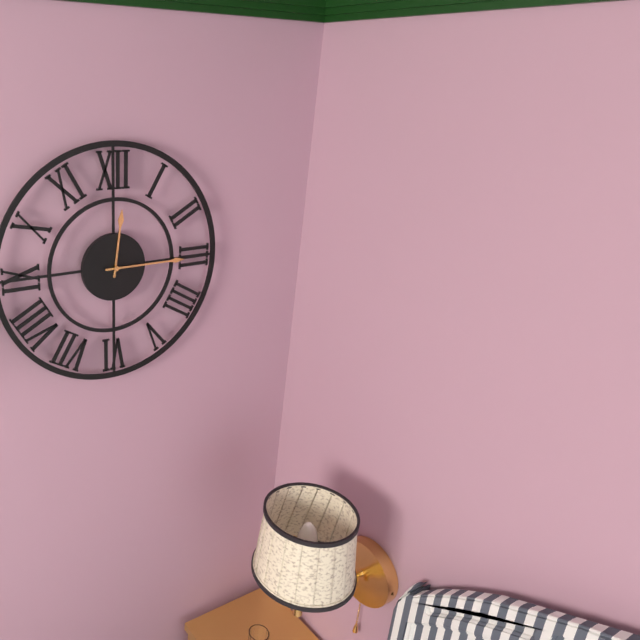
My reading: 12:15
